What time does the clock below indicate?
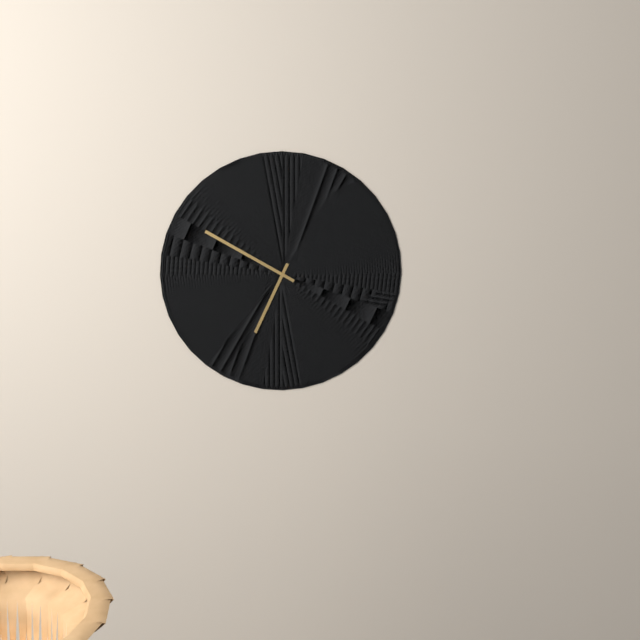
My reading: 6:50
